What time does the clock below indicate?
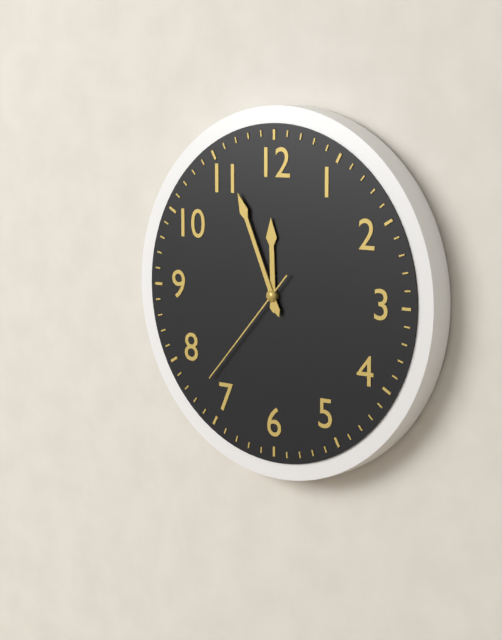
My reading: 11:56:37
